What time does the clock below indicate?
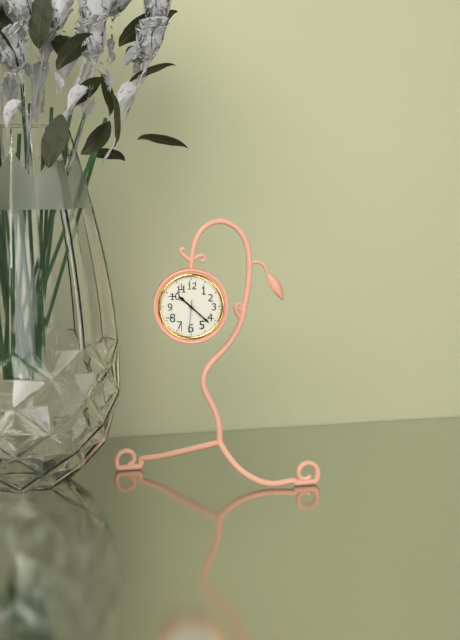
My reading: 10:22
